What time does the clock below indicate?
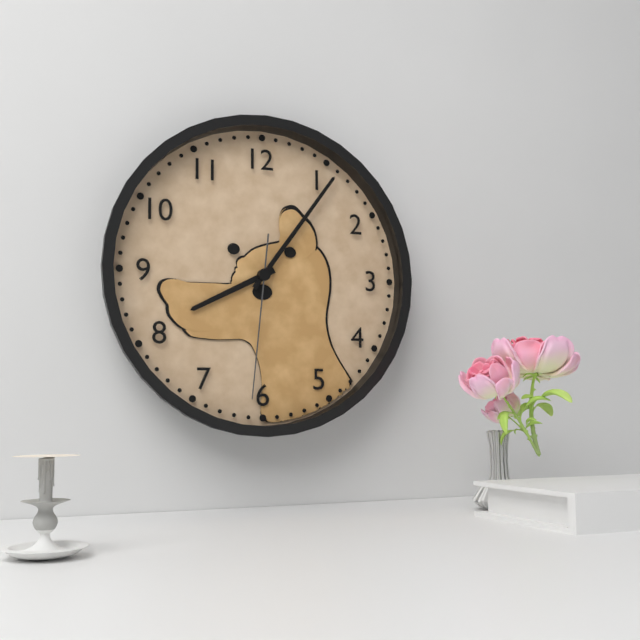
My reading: 8:06:31
